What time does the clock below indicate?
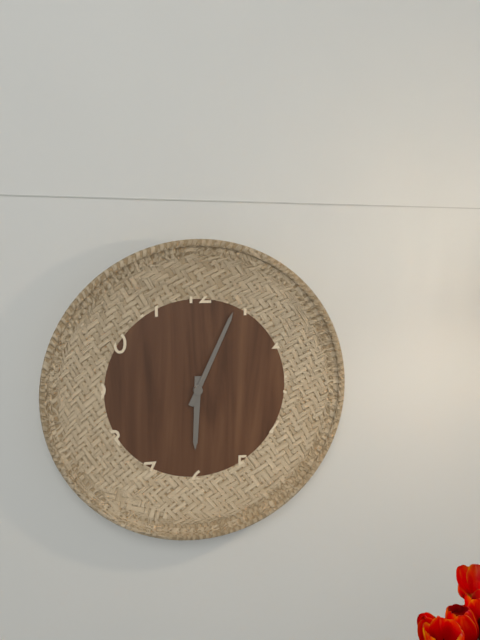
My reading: 6:04
